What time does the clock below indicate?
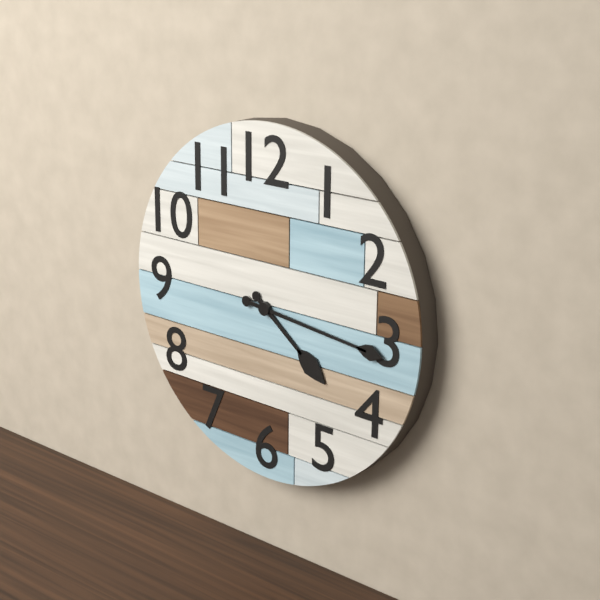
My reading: 4:16
